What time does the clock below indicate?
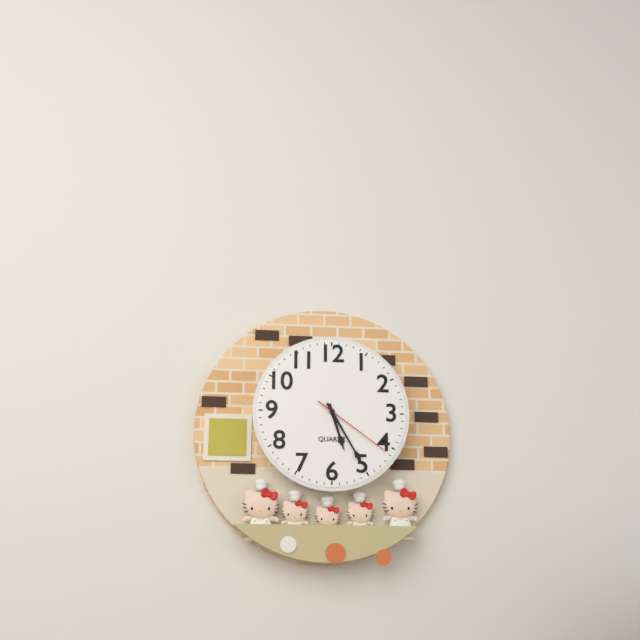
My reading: 5:25:21
